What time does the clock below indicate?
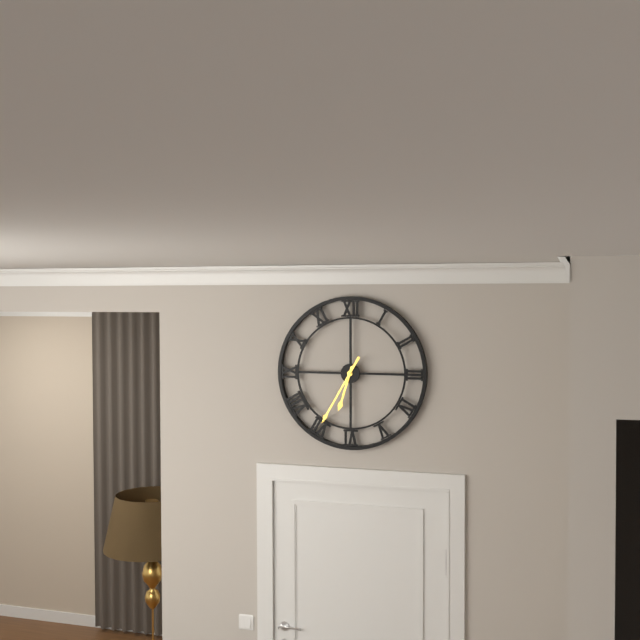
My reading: 6:35
